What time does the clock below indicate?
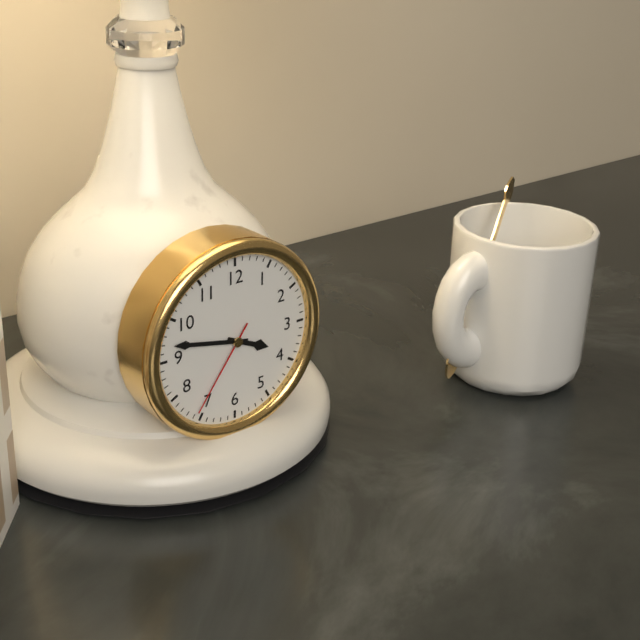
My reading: 3:47:36
